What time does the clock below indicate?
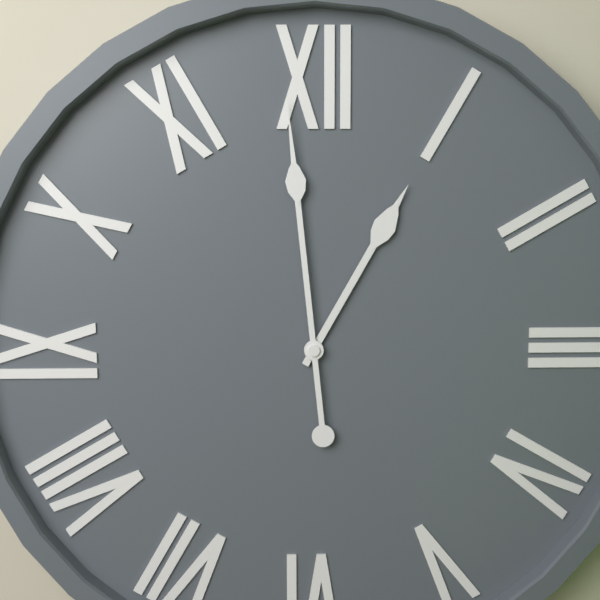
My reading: 12:59
